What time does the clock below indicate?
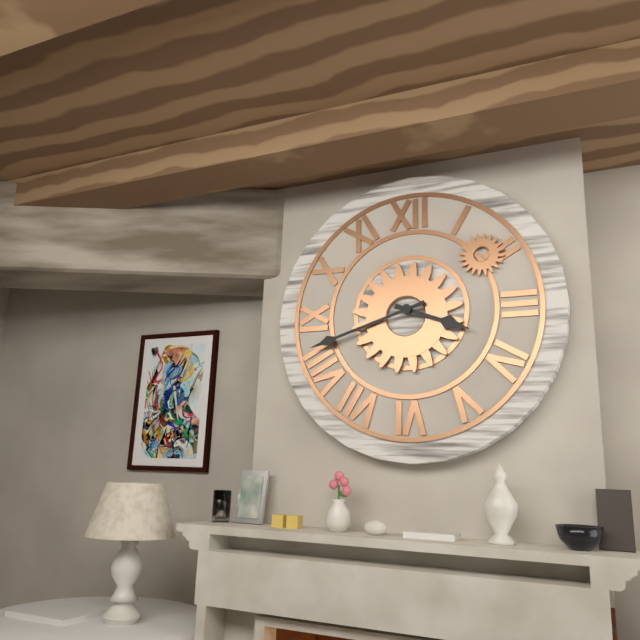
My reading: 3:42
